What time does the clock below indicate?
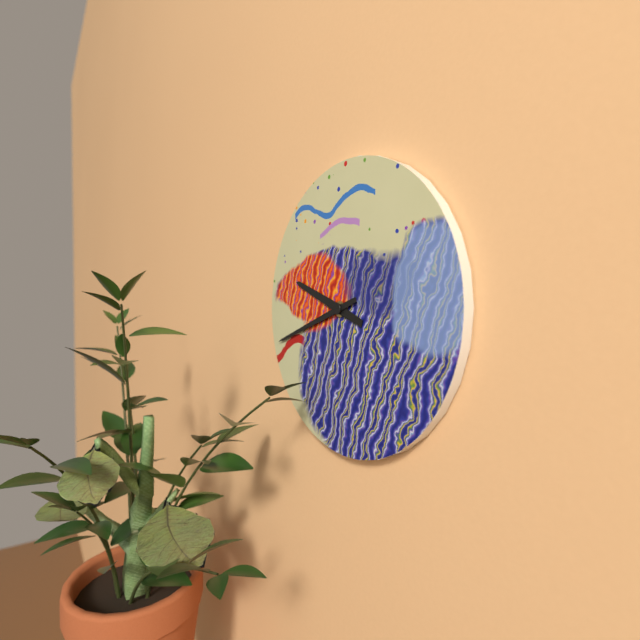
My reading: 9:42
